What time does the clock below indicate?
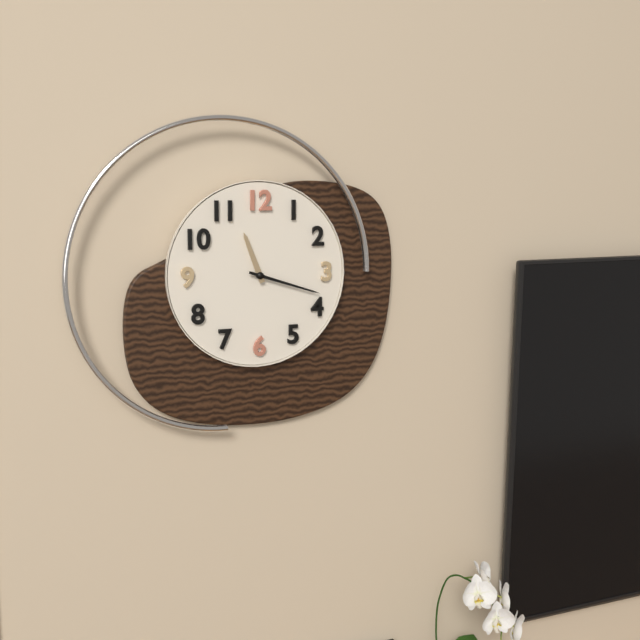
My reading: 11:18
